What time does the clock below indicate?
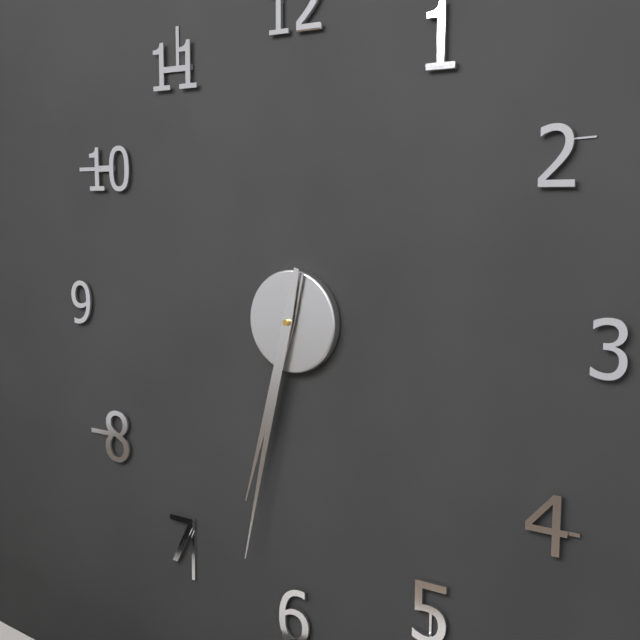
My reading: 6:32
